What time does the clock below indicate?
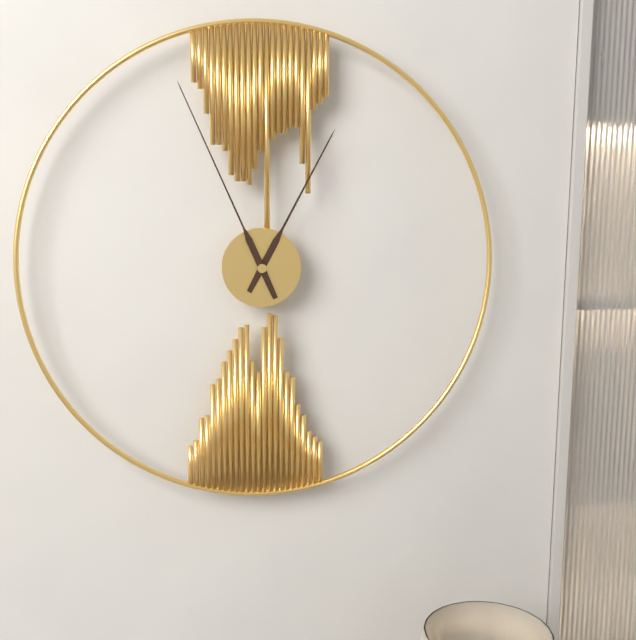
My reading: 12:56
